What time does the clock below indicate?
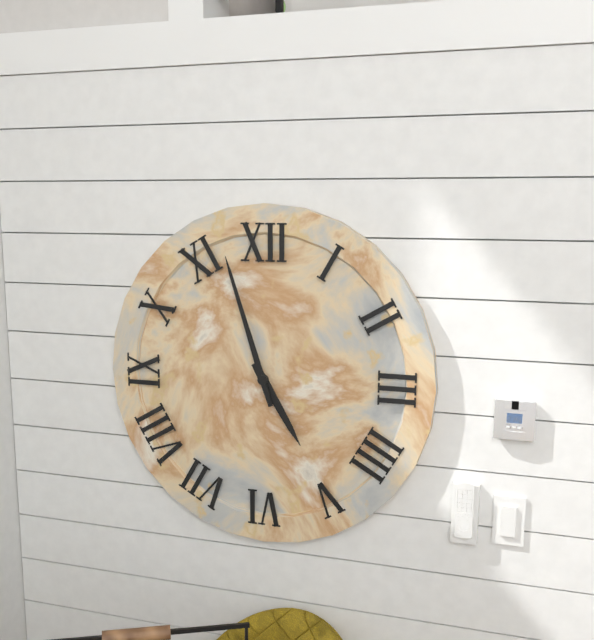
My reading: 4:57
